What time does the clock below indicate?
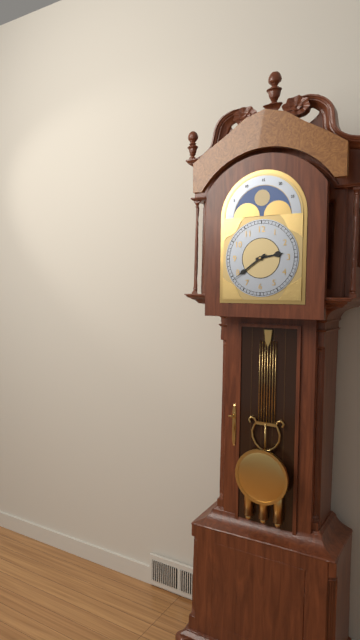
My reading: 2:39
